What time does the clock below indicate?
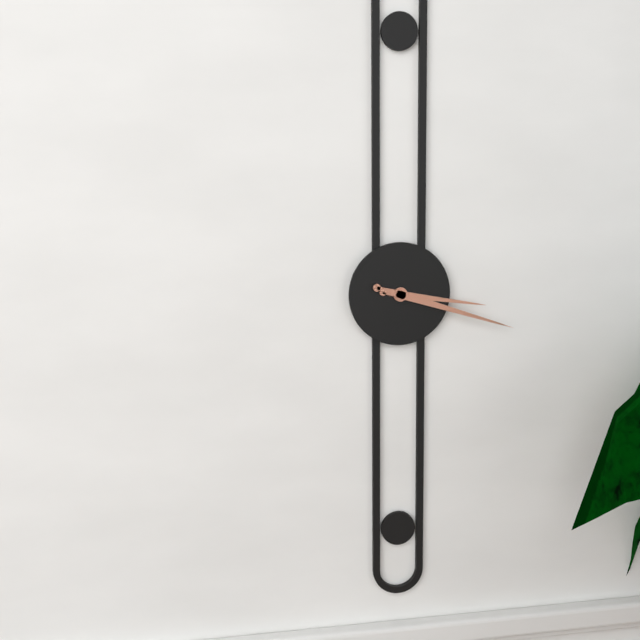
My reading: 3:18
